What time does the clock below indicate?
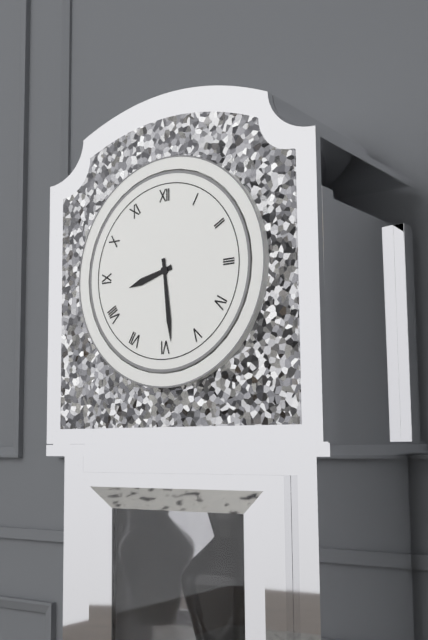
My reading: 8:29
